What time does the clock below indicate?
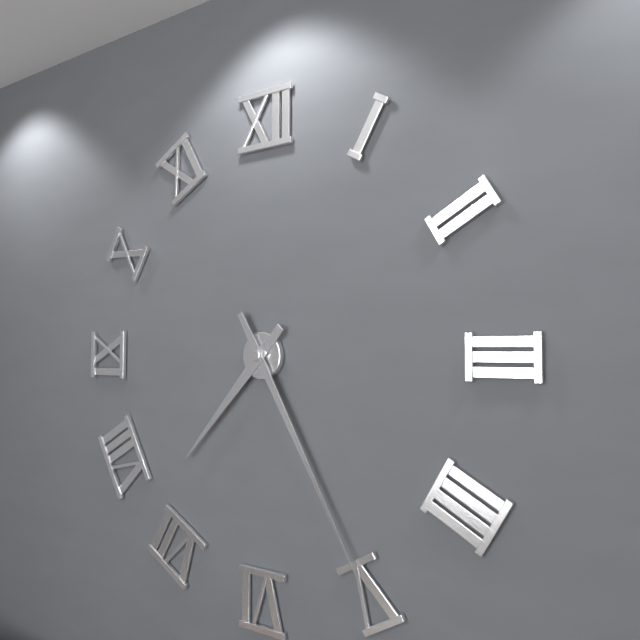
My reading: 7:25
